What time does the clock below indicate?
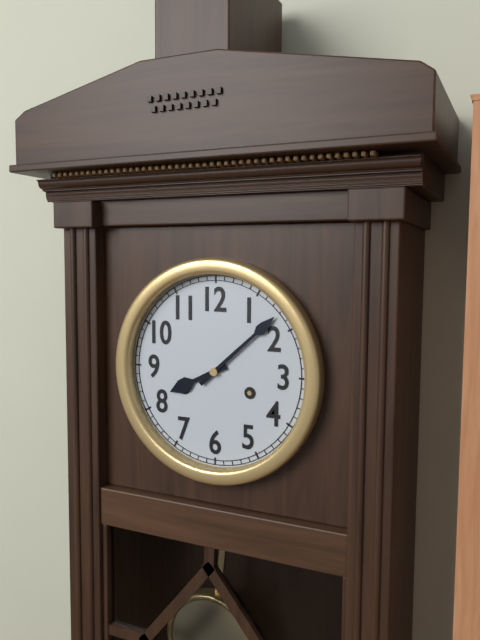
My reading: 8:08
